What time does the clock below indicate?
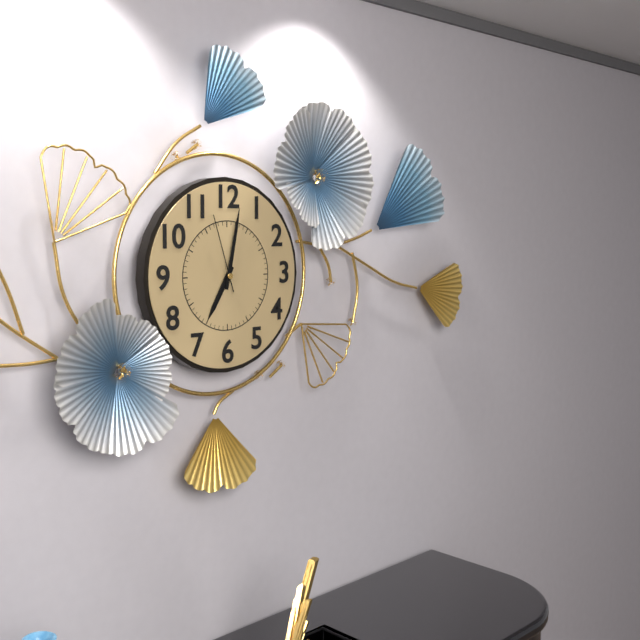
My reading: 7:02:57
